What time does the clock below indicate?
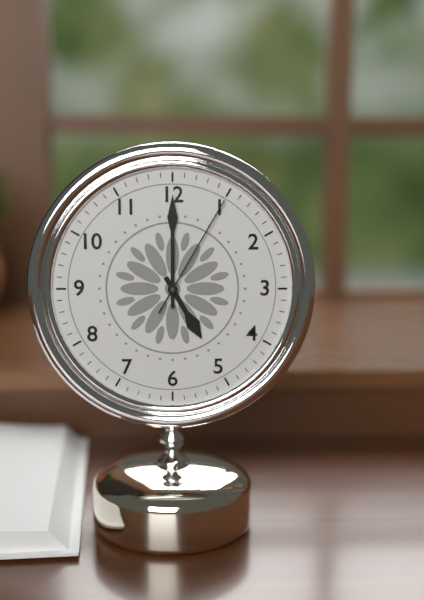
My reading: 5:00:05
